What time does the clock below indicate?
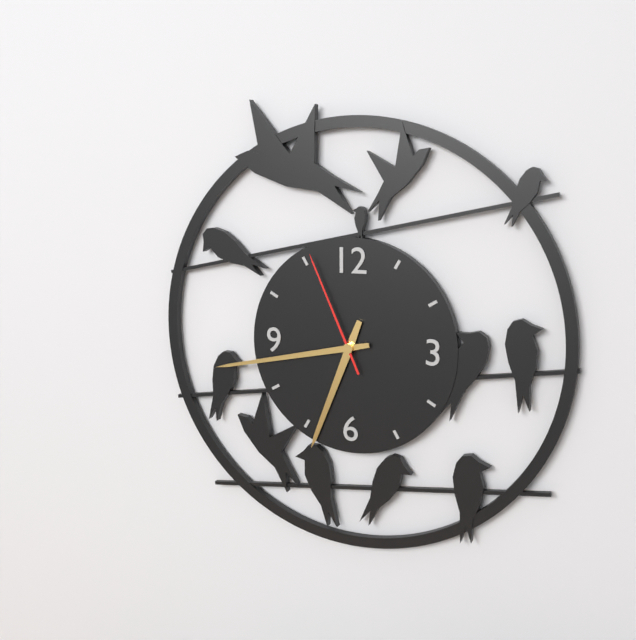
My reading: 6:43:56
